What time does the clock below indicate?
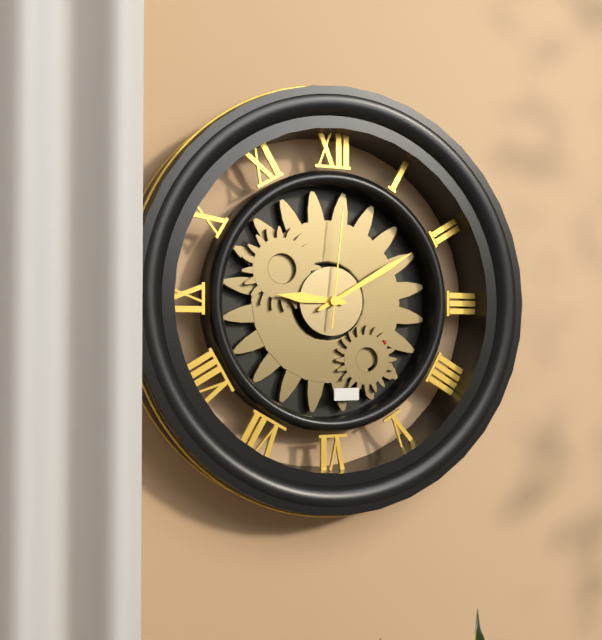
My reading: 9:10:01
